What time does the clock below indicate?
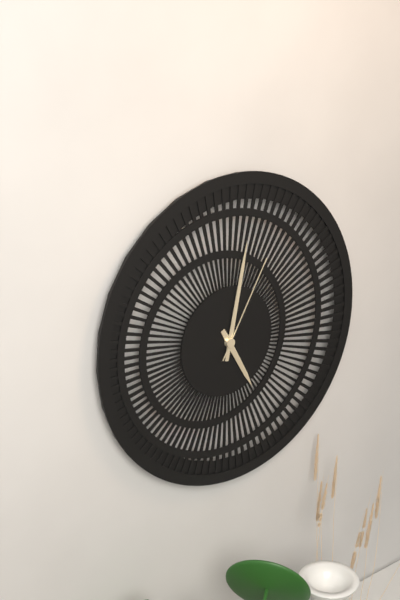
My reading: 5:02:05
